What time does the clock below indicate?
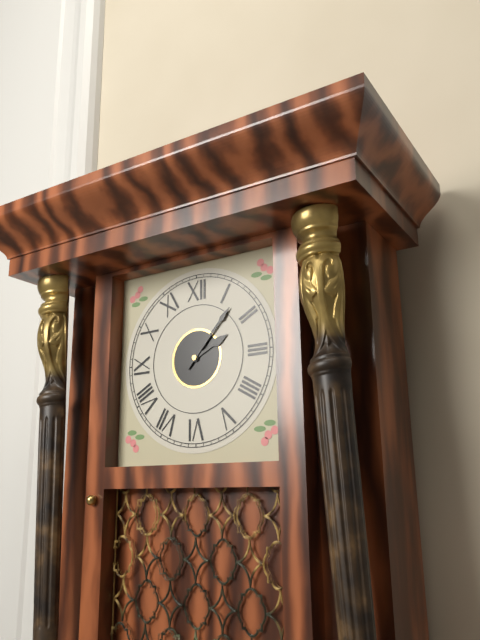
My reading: 2:07
